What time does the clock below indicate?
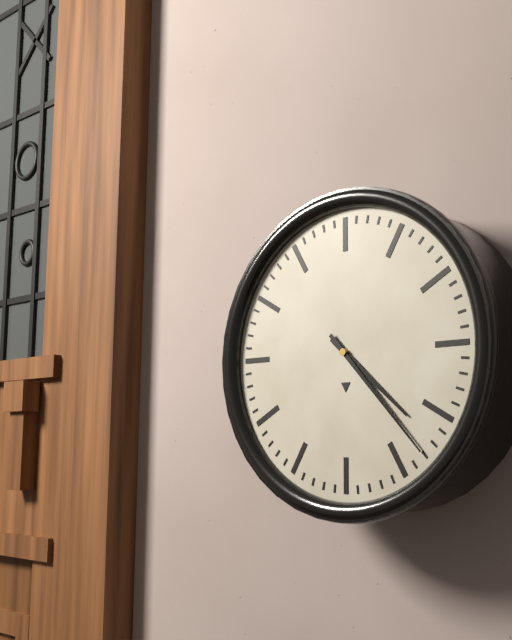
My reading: 4:23
